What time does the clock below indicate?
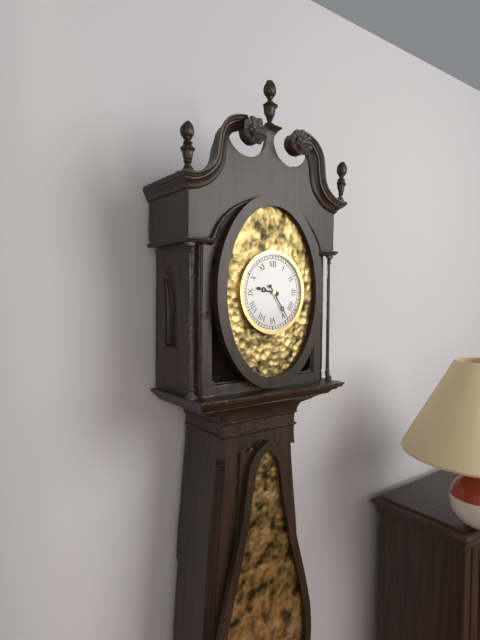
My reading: 9:24
